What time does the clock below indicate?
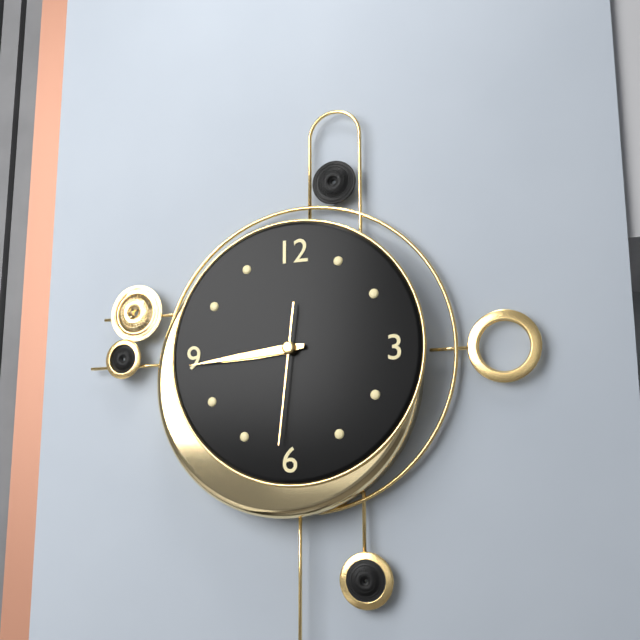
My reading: 8:44:31
